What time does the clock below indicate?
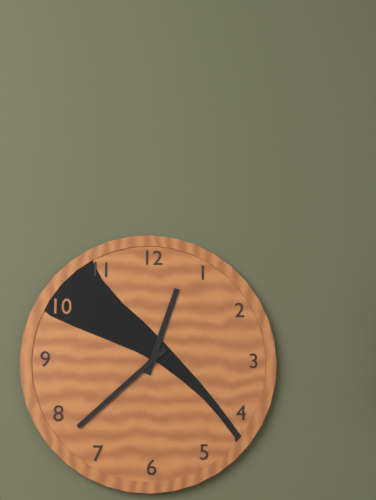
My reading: 12:38
